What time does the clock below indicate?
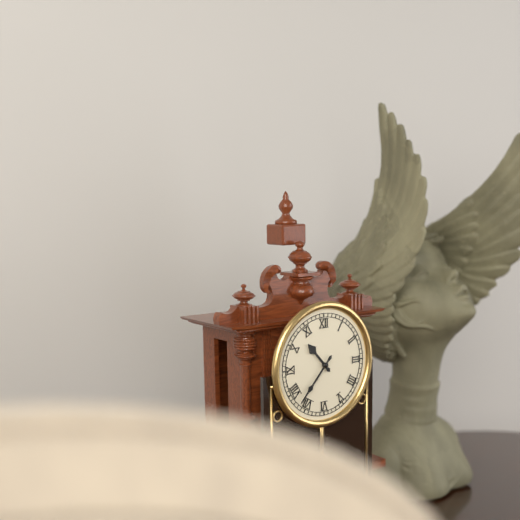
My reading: 10:37
